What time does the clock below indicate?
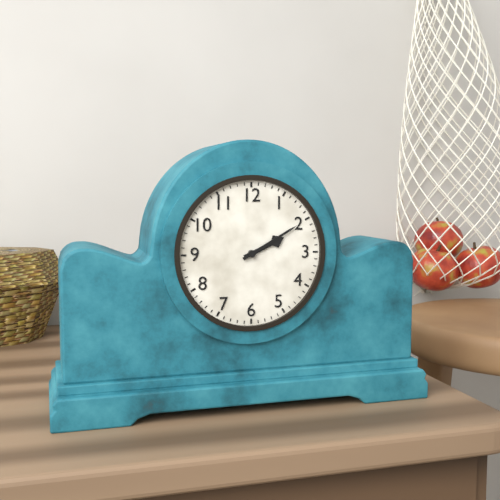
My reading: 2:10
